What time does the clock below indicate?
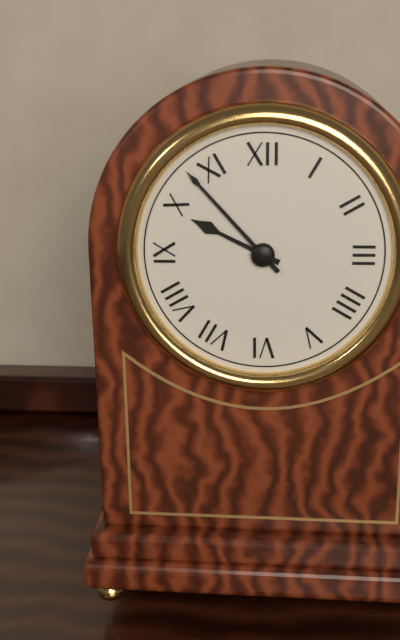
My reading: 9:53
